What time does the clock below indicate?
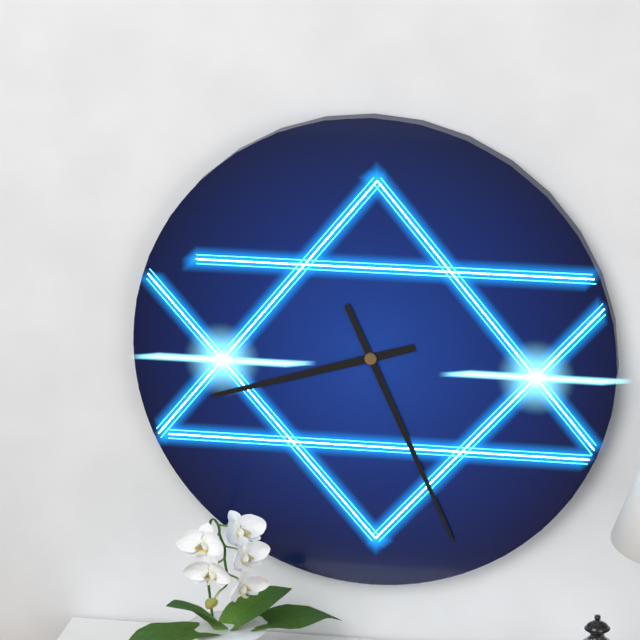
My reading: 8:26
